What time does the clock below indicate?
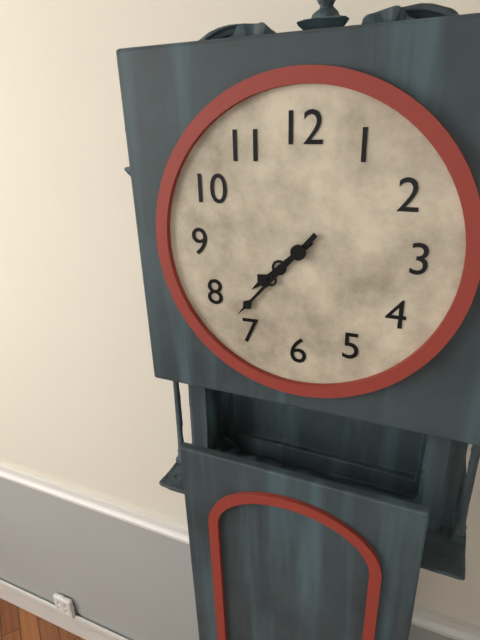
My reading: 7:37
